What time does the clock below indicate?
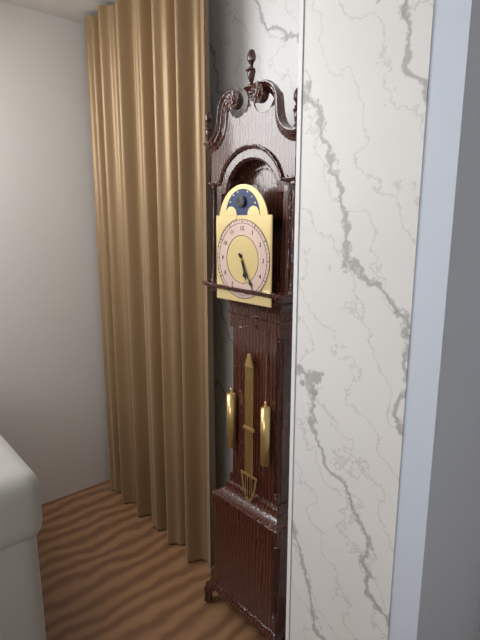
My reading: 5:25
